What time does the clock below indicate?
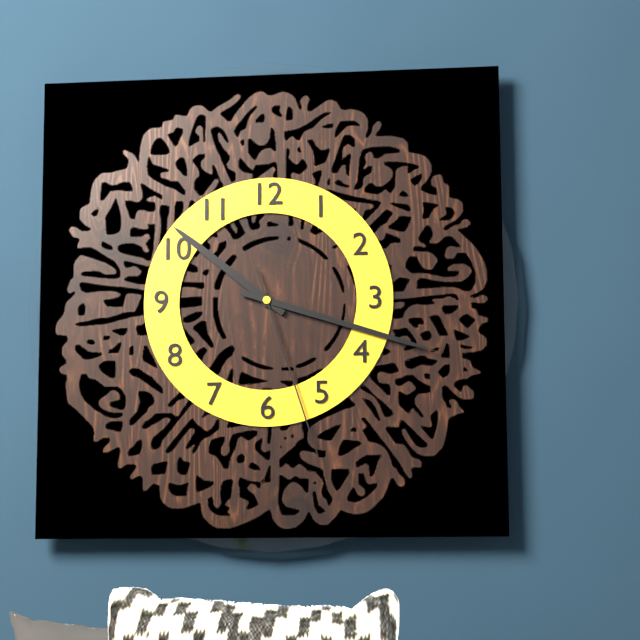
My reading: 10:18:27
